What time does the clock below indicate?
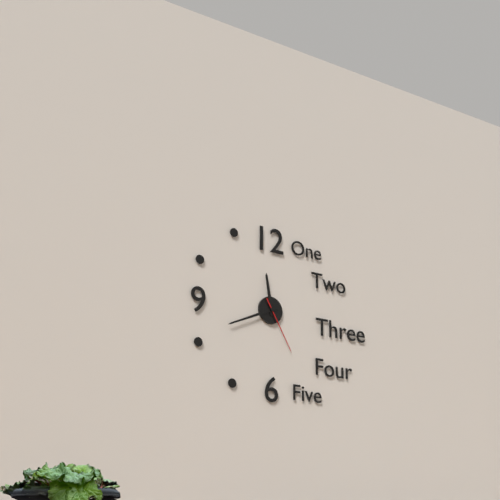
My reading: 11:41:25
